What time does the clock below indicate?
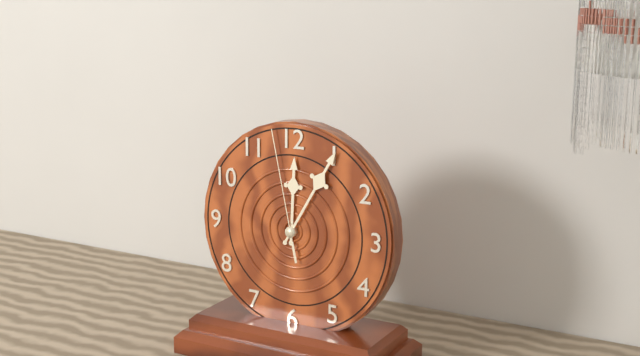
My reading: 12:05:58
